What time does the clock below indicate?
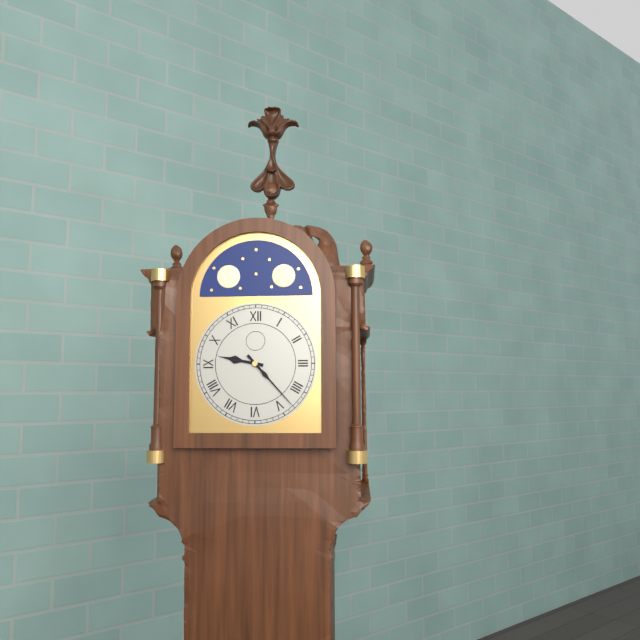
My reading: 9:23
